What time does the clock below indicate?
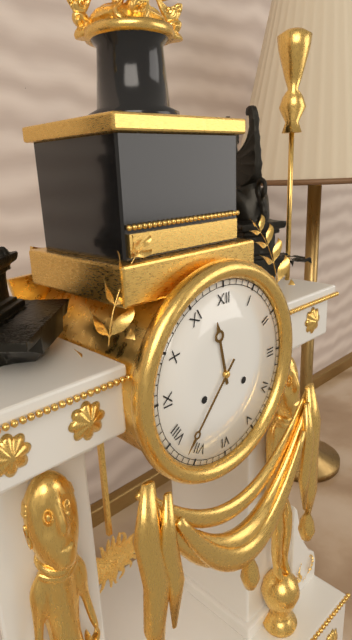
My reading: 11:37
